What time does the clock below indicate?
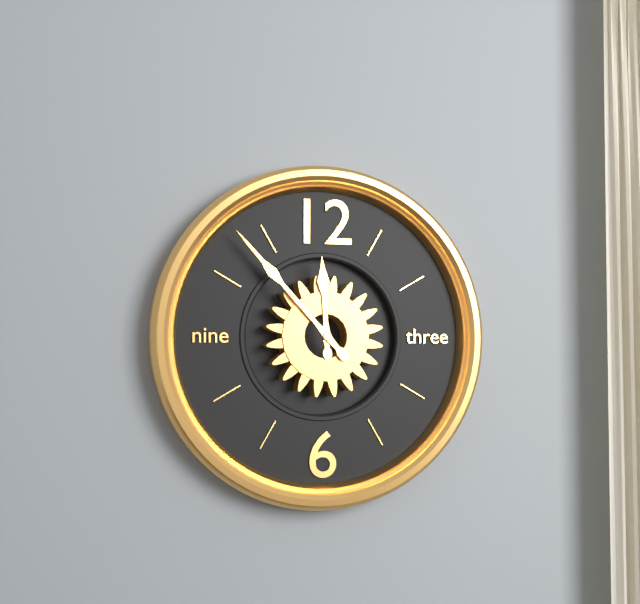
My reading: 11:53
